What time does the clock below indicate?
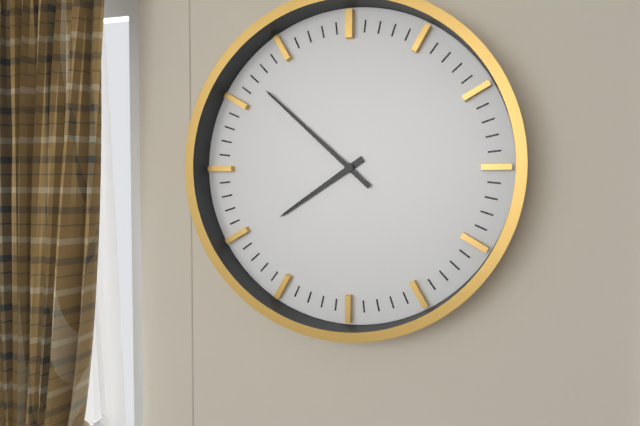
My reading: 7:52
